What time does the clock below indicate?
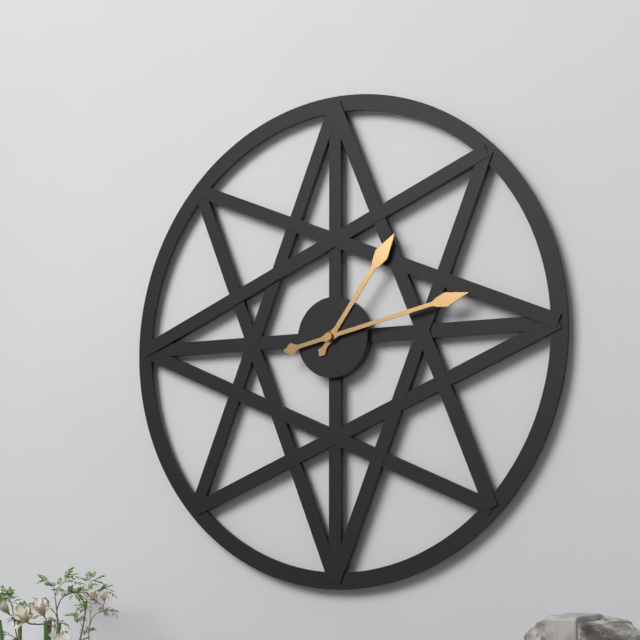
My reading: 1:13
